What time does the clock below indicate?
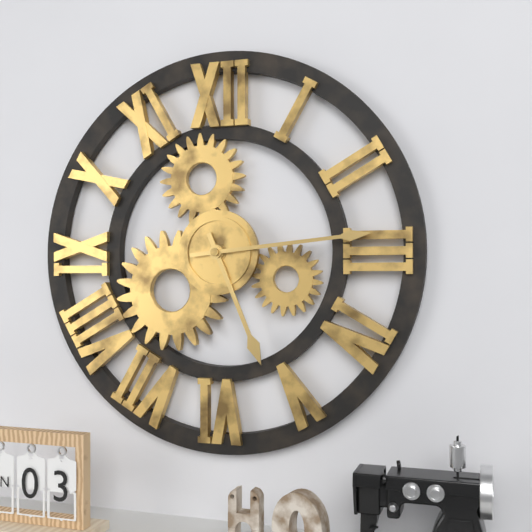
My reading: 5:14
